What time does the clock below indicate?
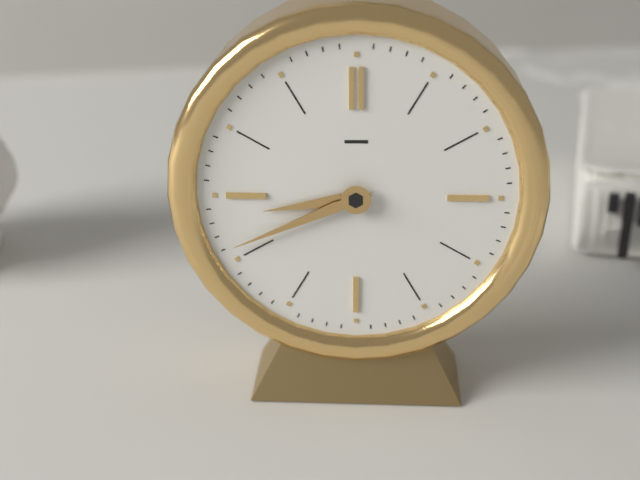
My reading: 8:41
